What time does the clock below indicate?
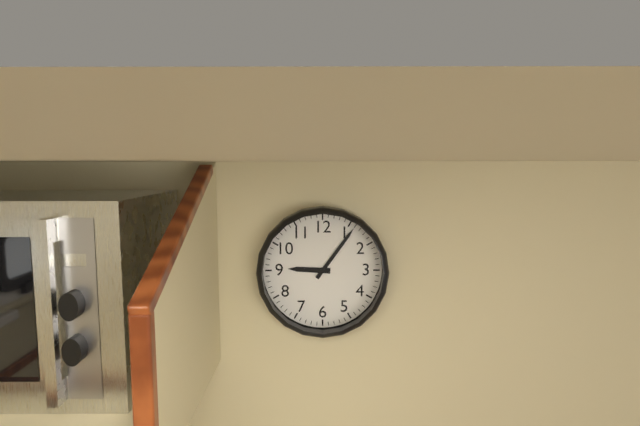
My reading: 9:06
